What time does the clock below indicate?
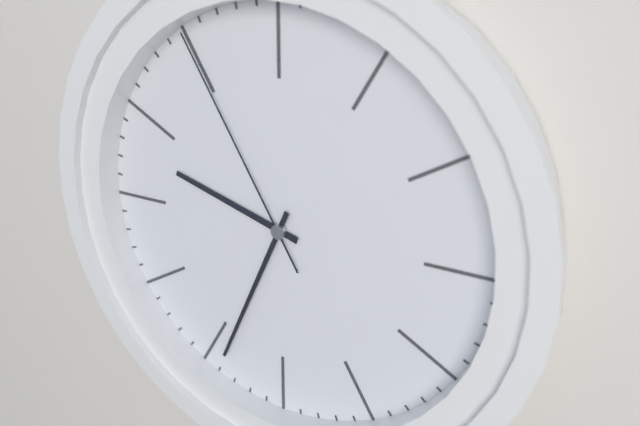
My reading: 9:34:55
